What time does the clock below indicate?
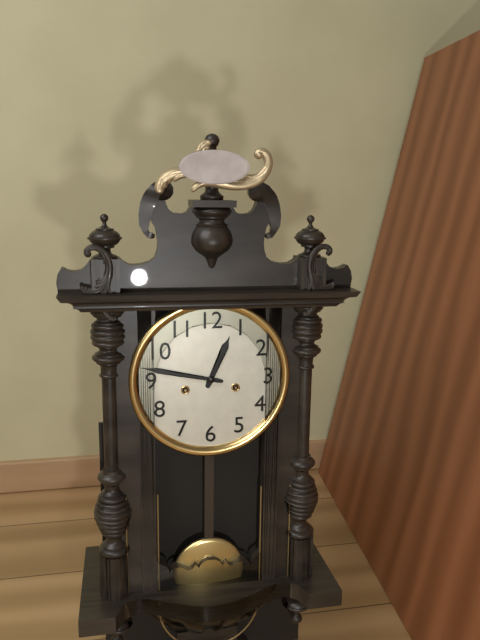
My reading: 12:47
